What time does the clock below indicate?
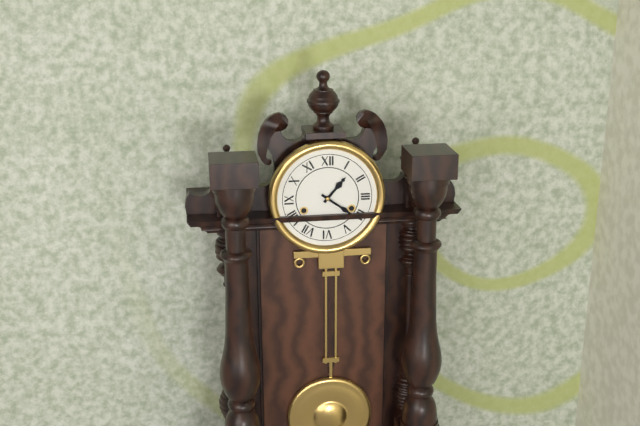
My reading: 1:21
